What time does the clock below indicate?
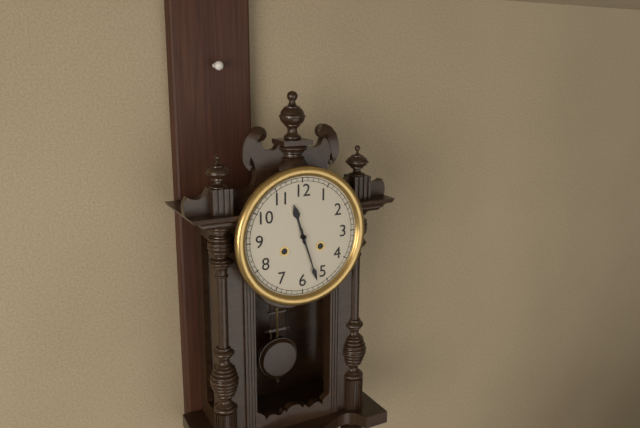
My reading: 11:27
